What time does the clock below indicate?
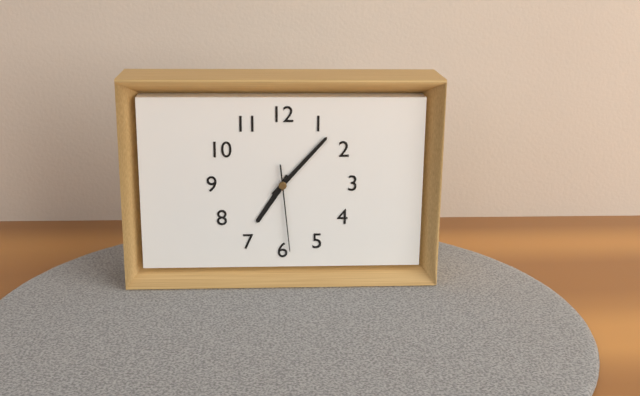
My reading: 7:07:29
